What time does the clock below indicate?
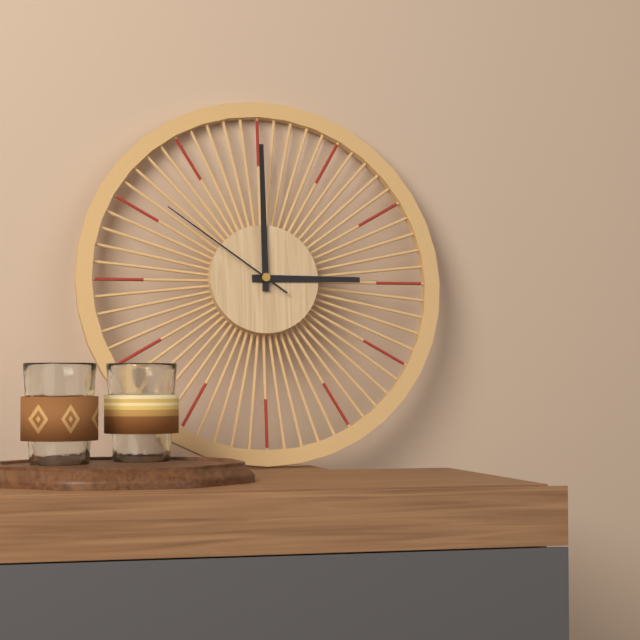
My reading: 3:00:51
